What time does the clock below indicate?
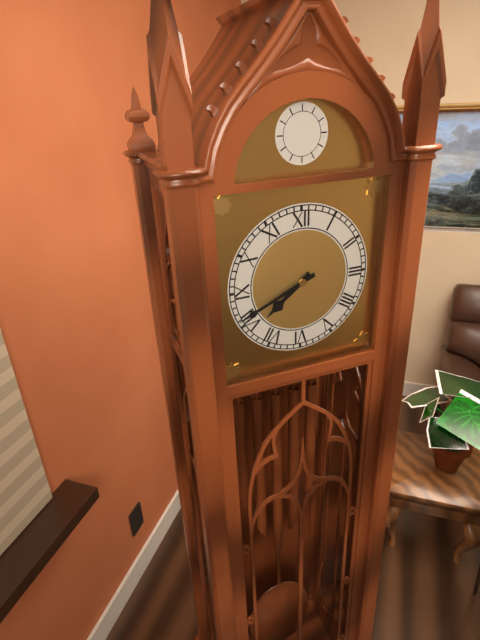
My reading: 7:41
